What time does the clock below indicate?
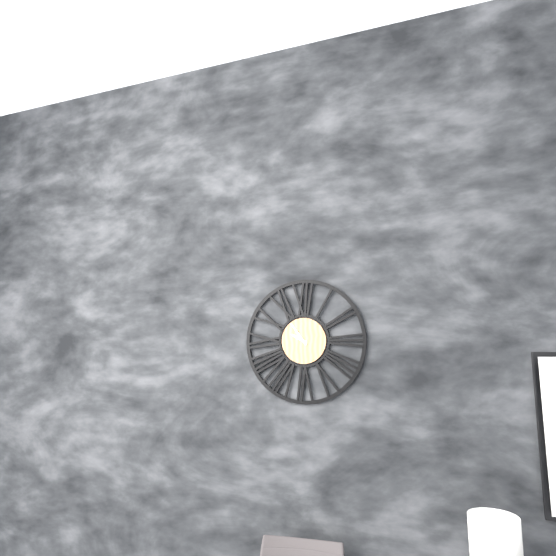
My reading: 9:54
